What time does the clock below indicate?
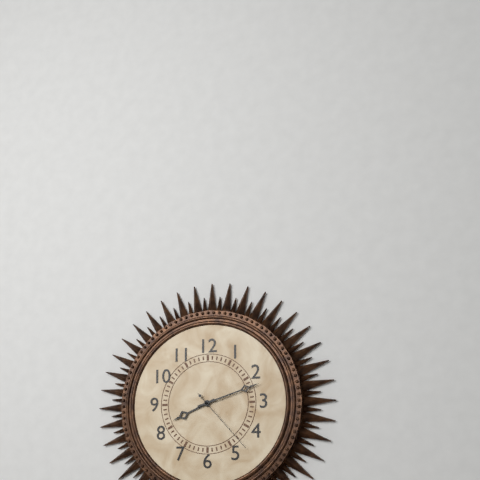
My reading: 8:12:23
